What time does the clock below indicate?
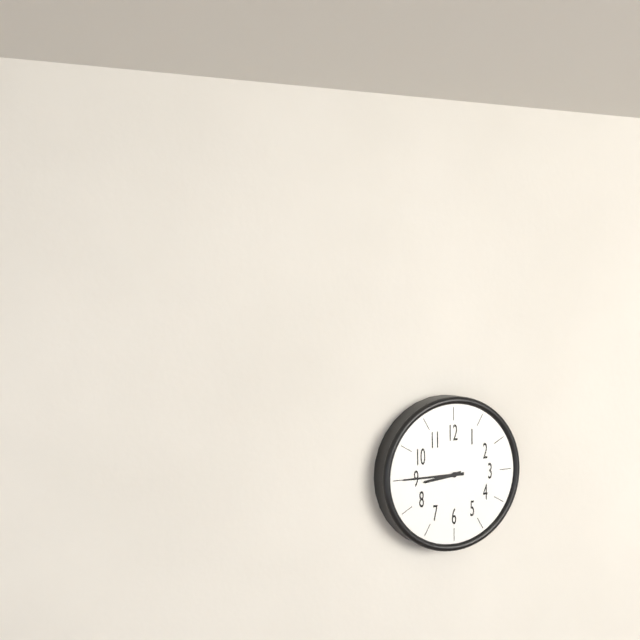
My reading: 8:45
